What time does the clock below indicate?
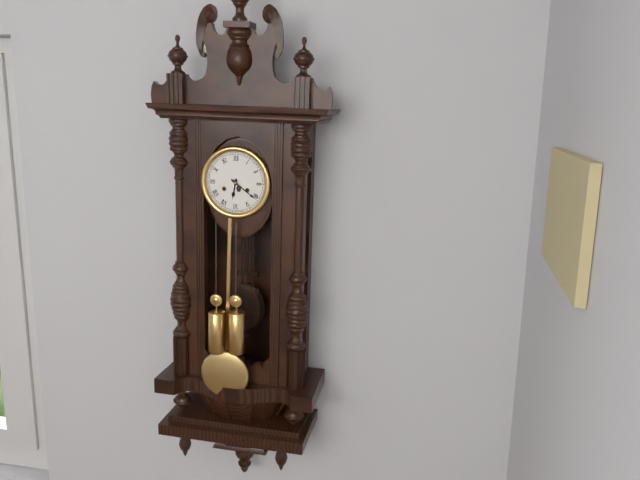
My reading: 6:21
